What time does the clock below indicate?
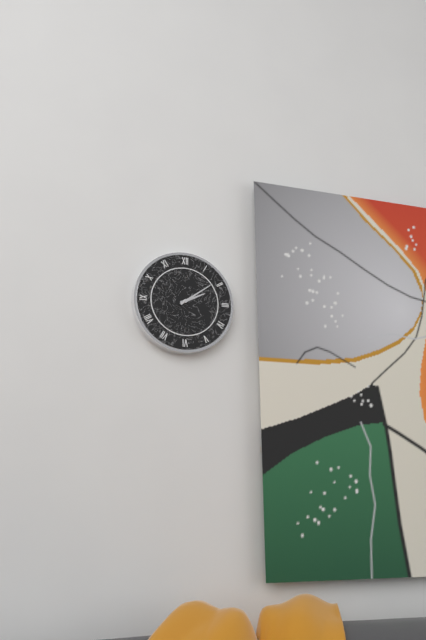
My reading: 2:09
